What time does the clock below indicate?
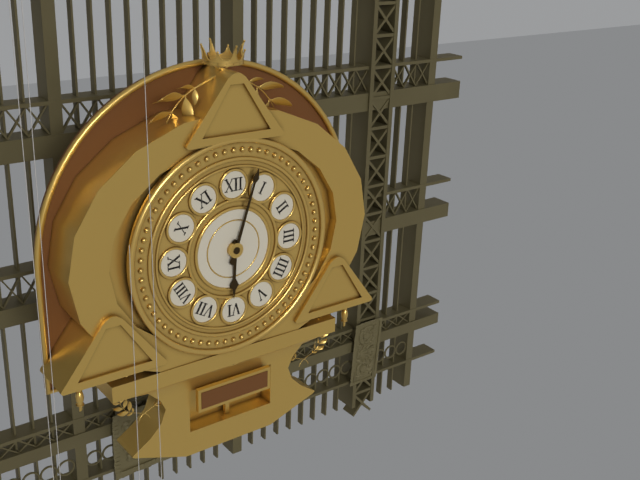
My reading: 6:03
